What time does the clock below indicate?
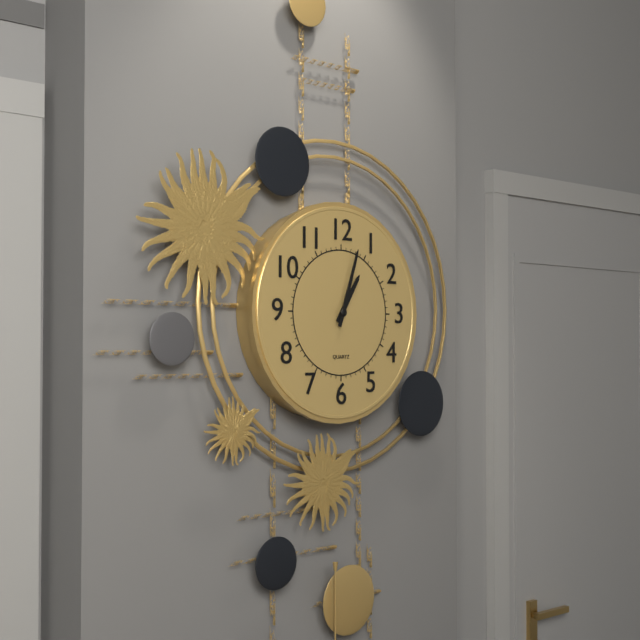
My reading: 1:03
